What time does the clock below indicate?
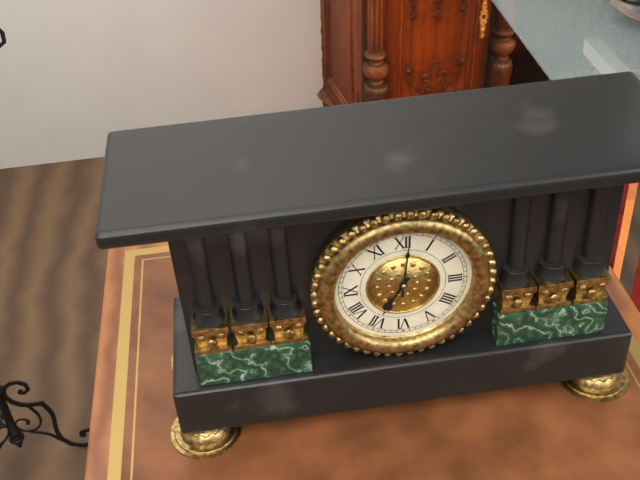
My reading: 7:01
